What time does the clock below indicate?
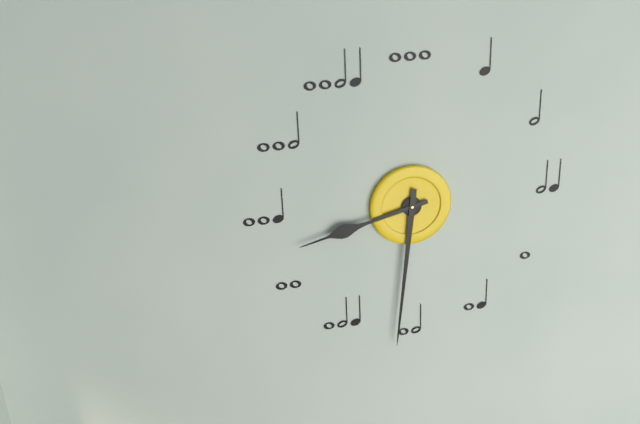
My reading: 8:31
